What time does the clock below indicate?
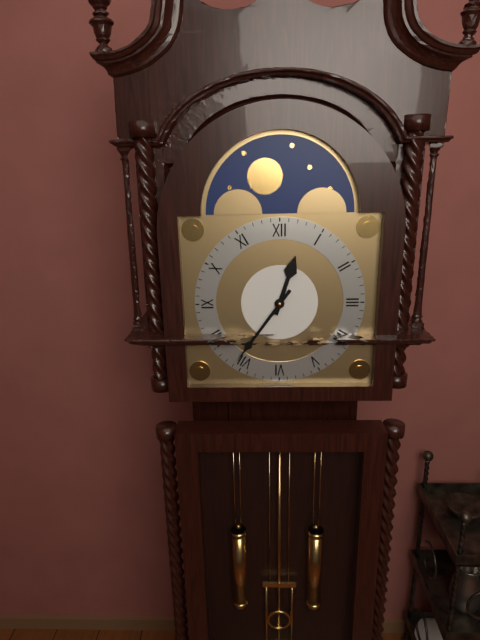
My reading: 12:36
